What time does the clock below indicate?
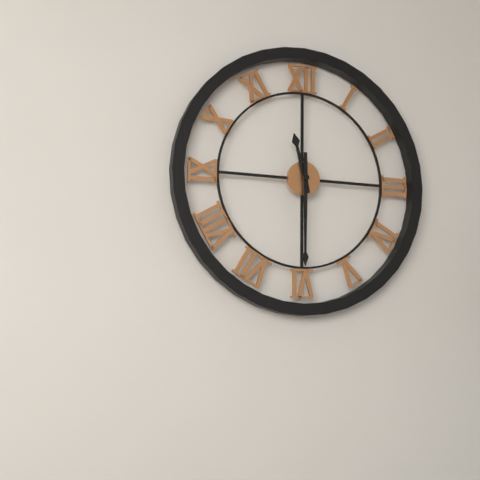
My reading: 11:30
